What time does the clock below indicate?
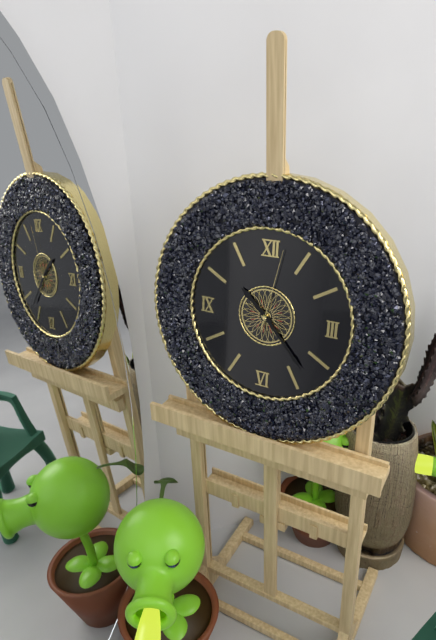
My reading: 10:23:02
